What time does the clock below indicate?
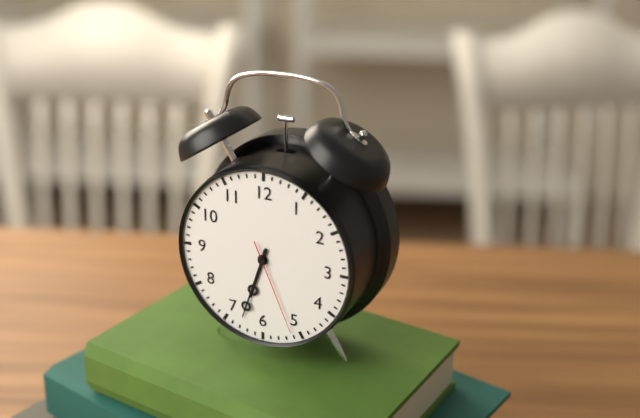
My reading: 6:33:26
